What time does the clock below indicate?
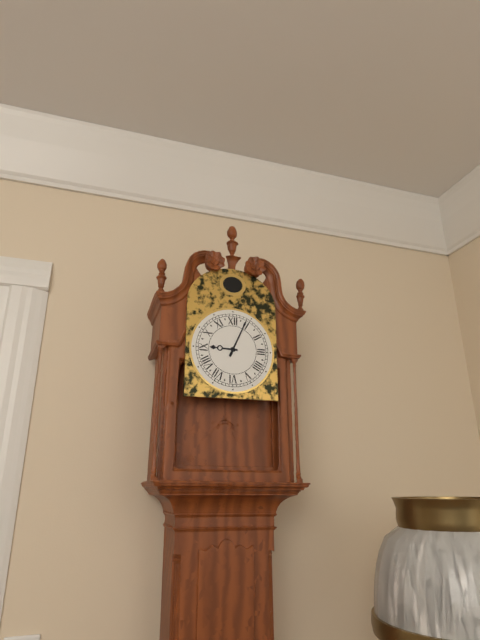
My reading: 9:04
